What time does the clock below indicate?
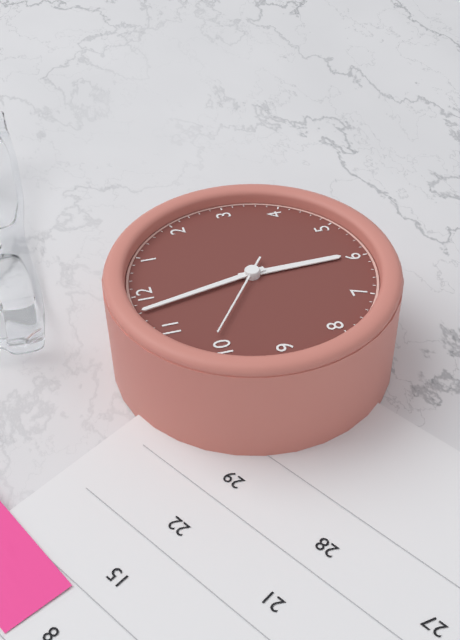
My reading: 5:58:51
